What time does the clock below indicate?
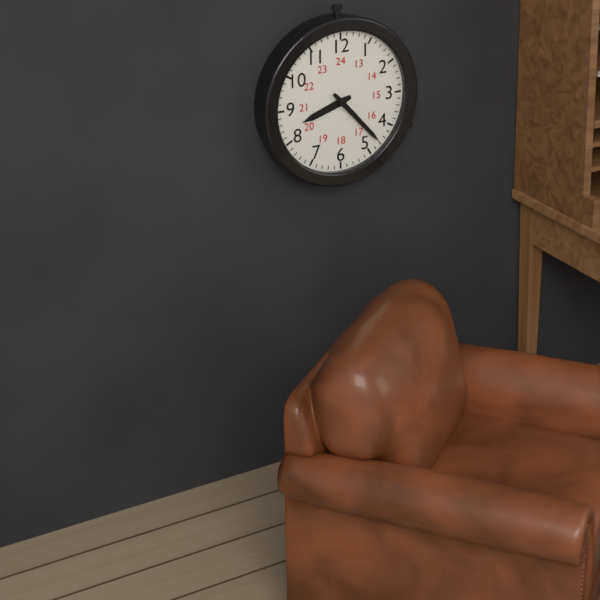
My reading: 8:23
